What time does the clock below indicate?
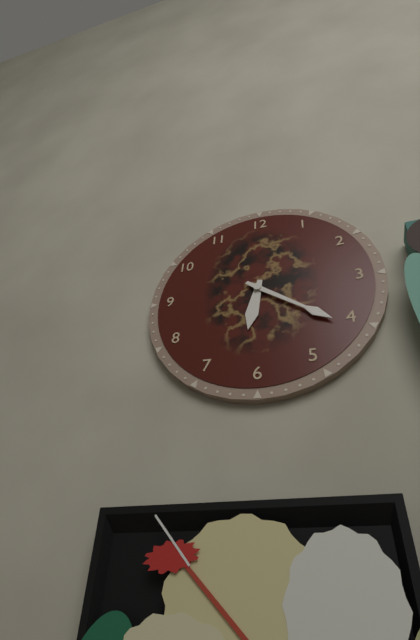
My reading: 6:21
